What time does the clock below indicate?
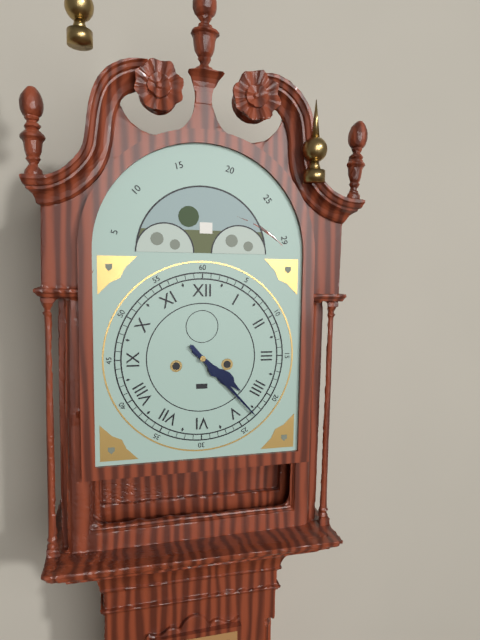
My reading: 4:23
